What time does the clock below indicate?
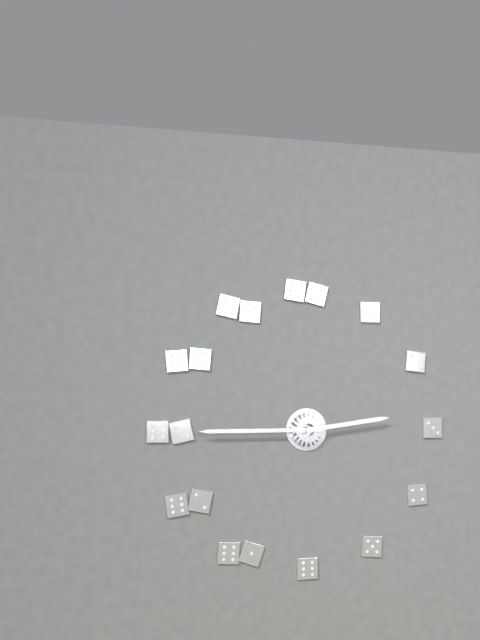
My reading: 2:45
